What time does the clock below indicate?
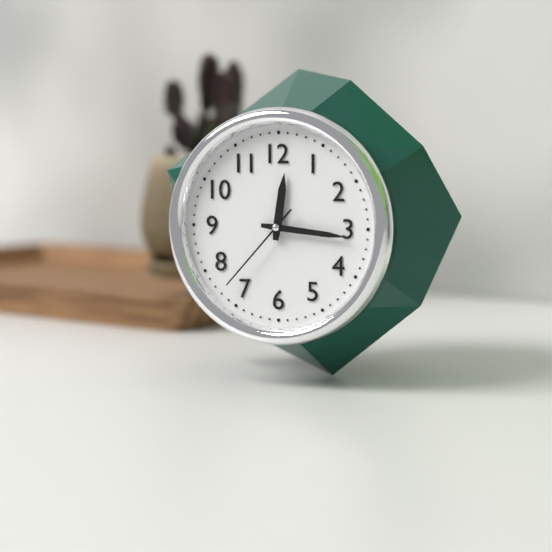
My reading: 12:16:37
